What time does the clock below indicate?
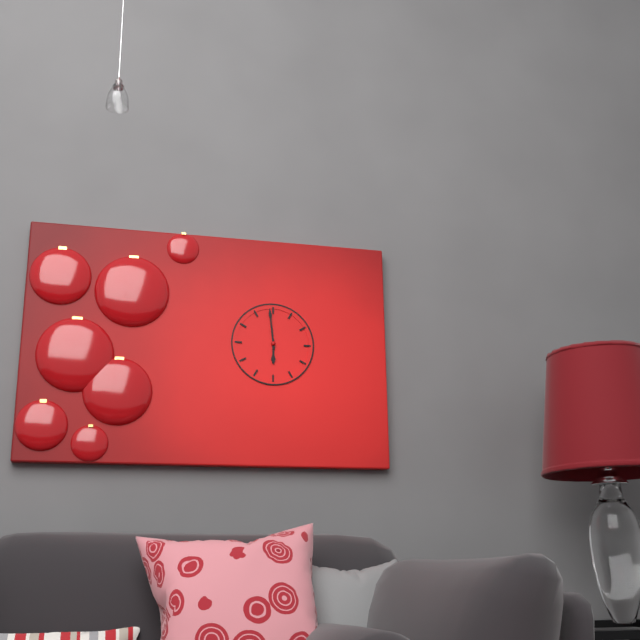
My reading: 5:59
